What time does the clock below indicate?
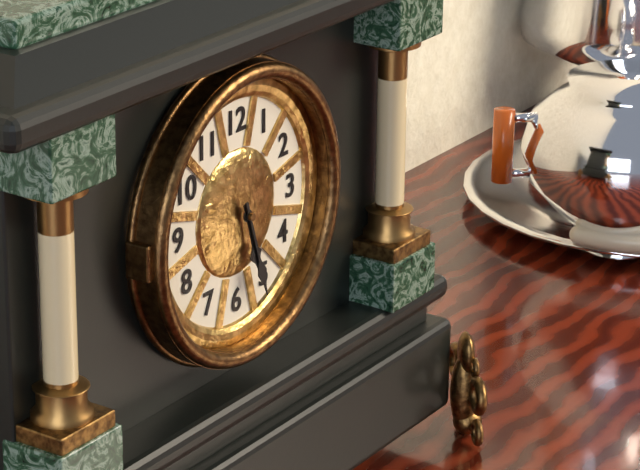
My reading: 5:27
